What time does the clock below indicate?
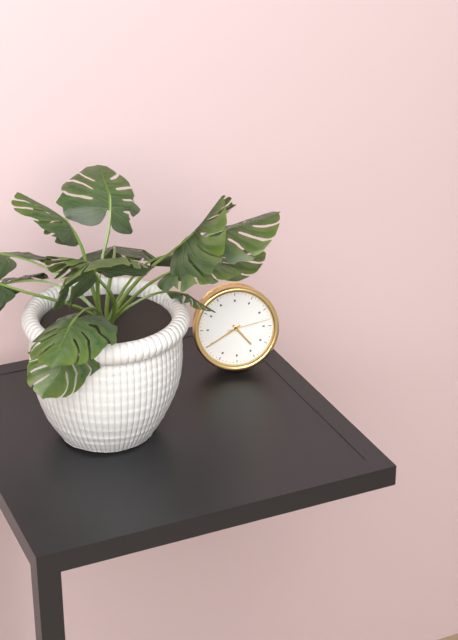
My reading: 4:40
